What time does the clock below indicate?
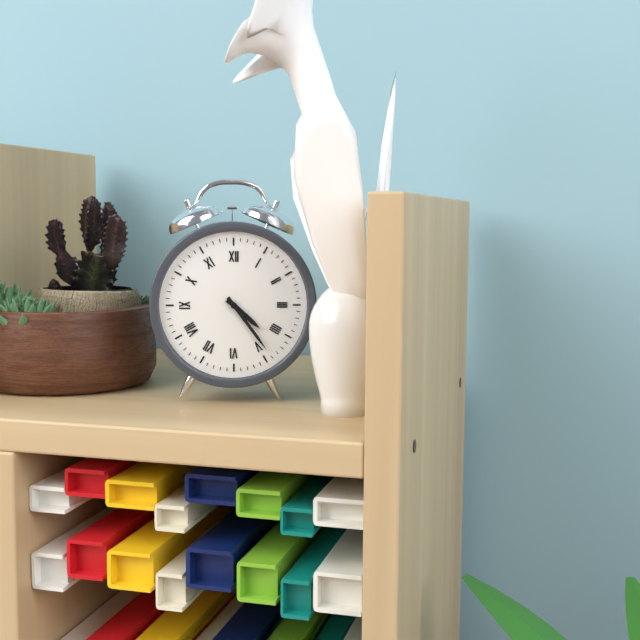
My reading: 4:24
